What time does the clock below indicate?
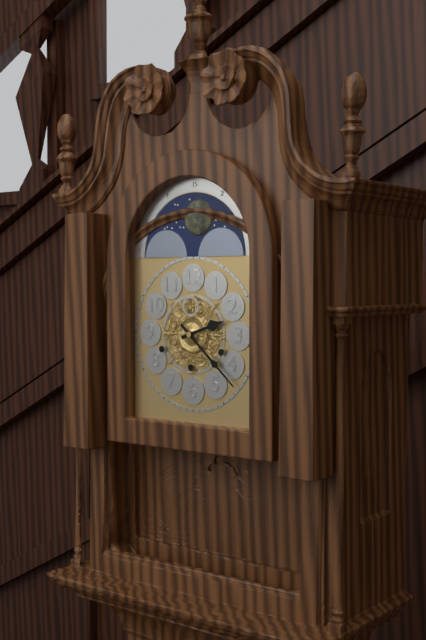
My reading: 2:22
